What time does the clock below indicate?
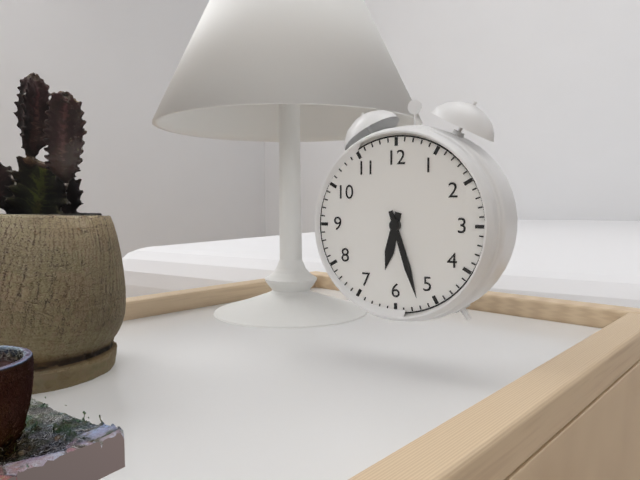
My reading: 6:27
